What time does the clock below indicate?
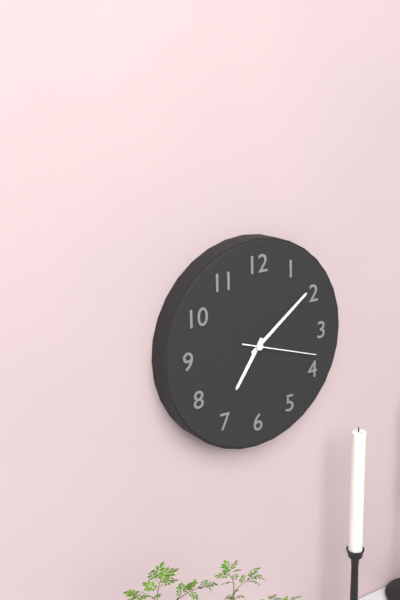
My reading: 7:09:18
